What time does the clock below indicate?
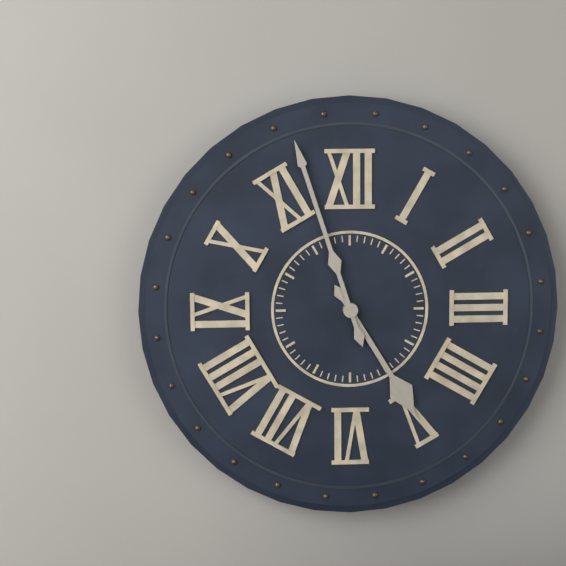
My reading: 4:57
